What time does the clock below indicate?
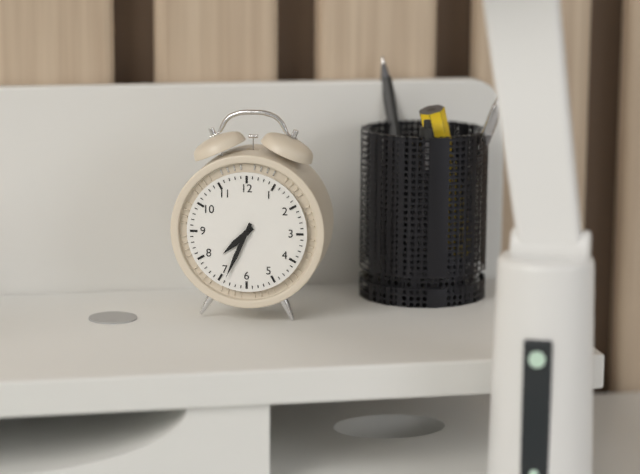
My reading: 7:34
